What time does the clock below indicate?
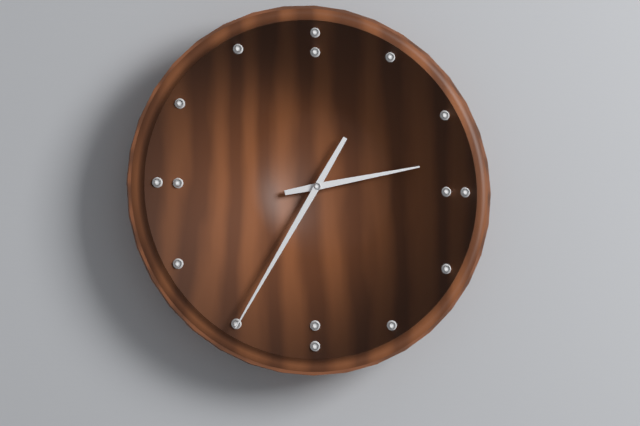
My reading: 2:35
